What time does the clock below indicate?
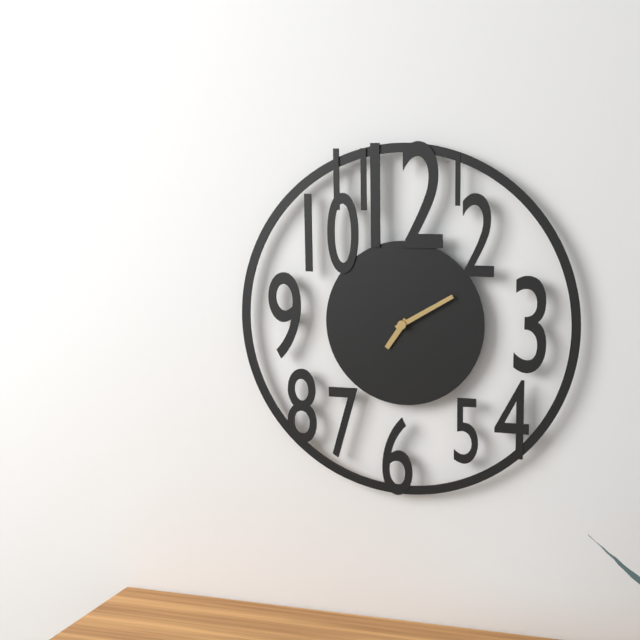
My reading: 7:10
